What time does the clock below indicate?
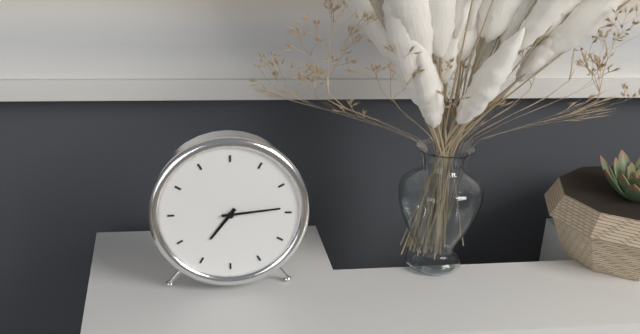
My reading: 7:14
